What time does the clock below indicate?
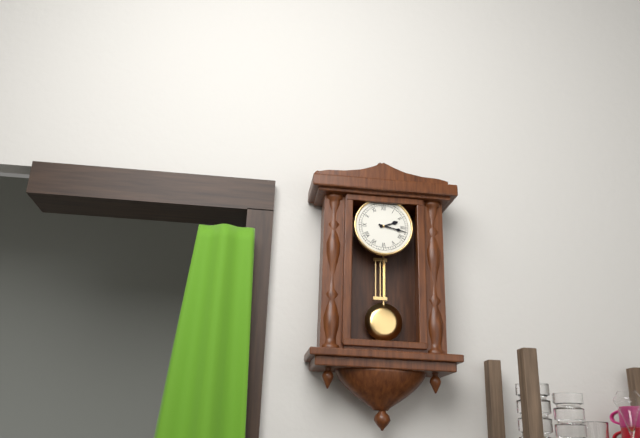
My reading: 2:17
